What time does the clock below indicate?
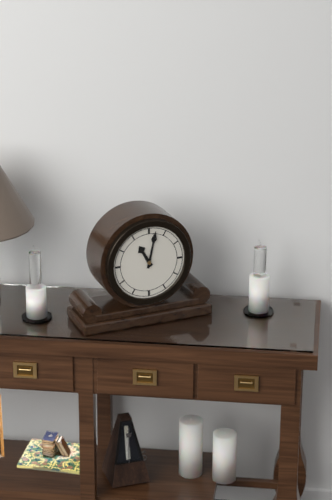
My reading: 11:02
